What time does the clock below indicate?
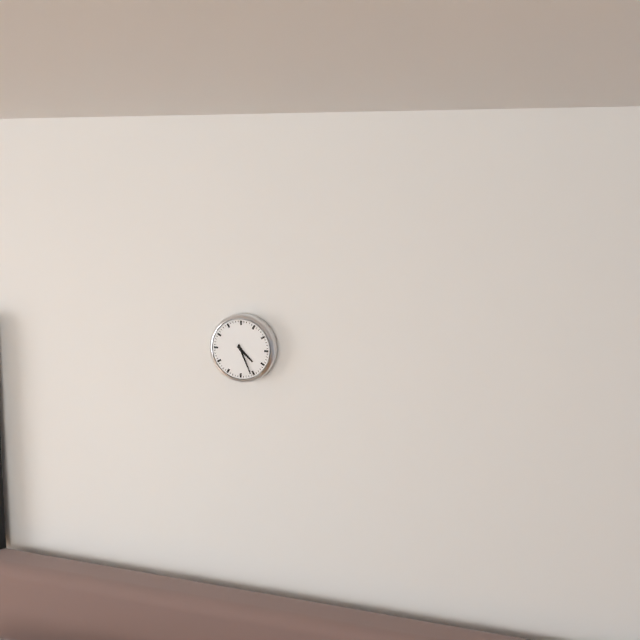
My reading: 4:26
